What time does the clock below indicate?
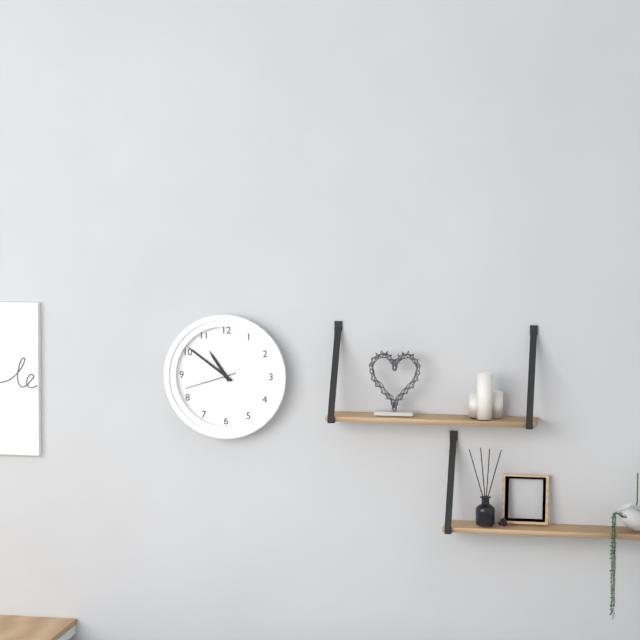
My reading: 10:51:42
